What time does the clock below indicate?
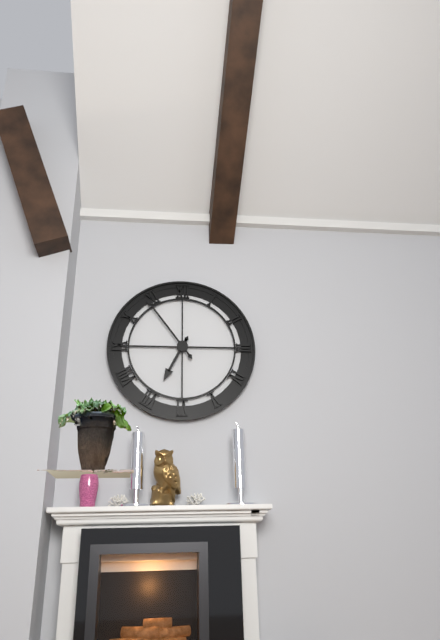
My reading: 6:54
